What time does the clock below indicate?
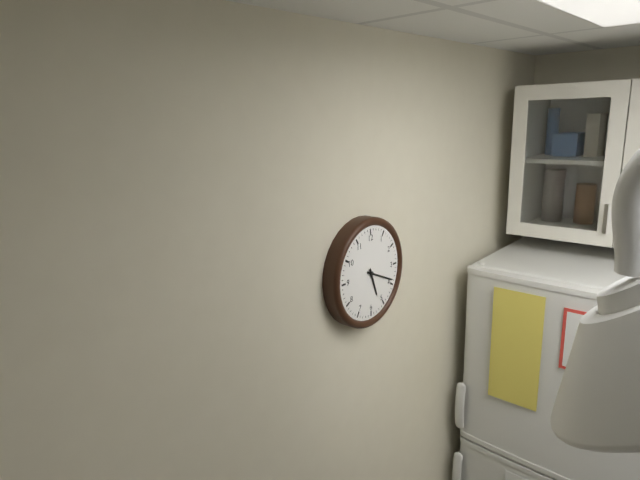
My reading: 5:19
